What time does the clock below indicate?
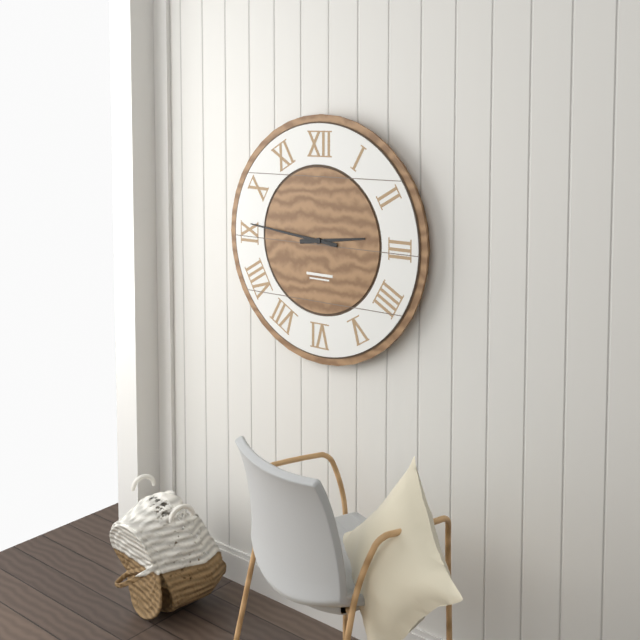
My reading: 2:46
